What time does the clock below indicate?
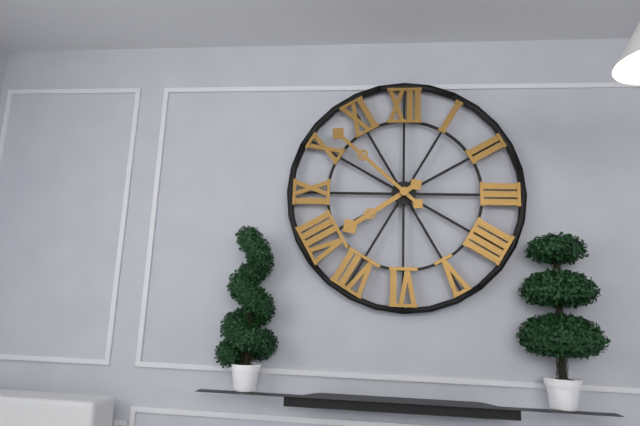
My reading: 7:52
